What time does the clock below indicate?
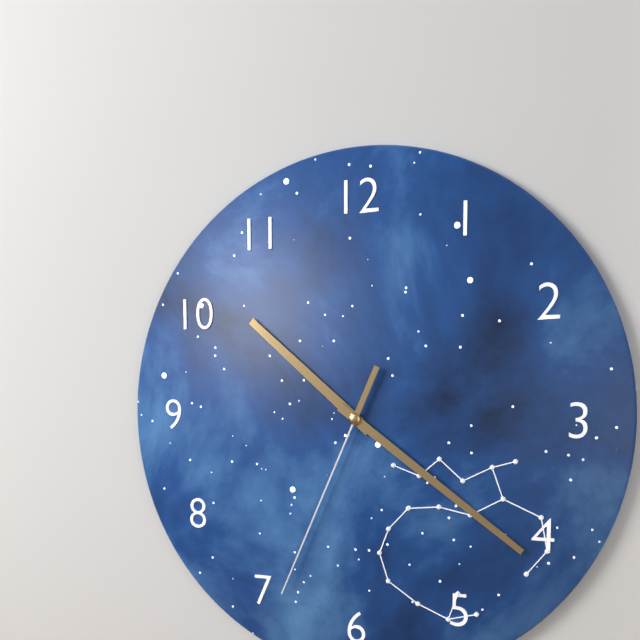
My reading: 10:21:34
